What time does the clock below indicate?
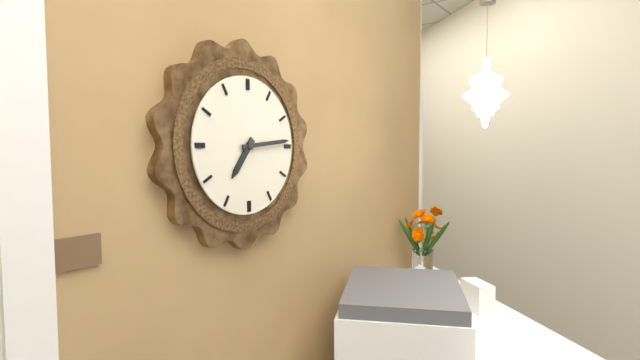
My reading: 7:14
